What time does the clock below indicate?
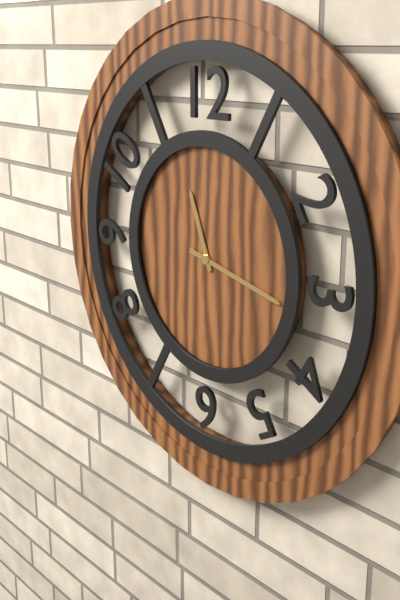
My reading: 11:17
